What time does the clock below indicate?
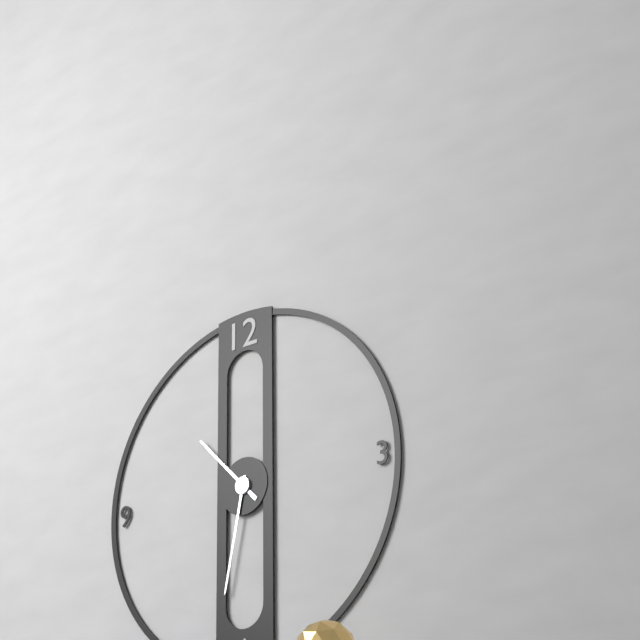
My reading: 10:32
